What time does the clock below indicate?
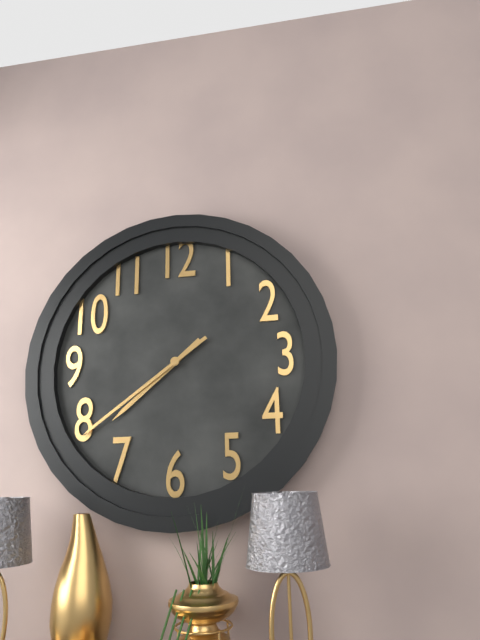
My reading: 7:39
